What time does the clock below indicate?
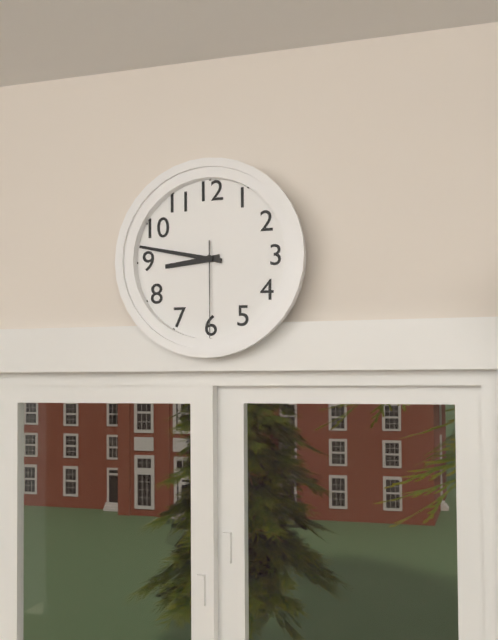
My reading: 8:47:30
